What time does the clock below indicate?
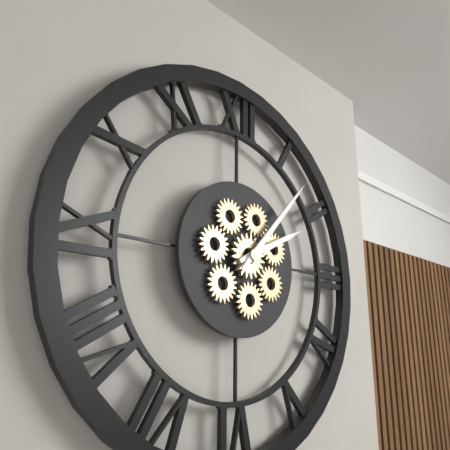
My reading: 2:07
